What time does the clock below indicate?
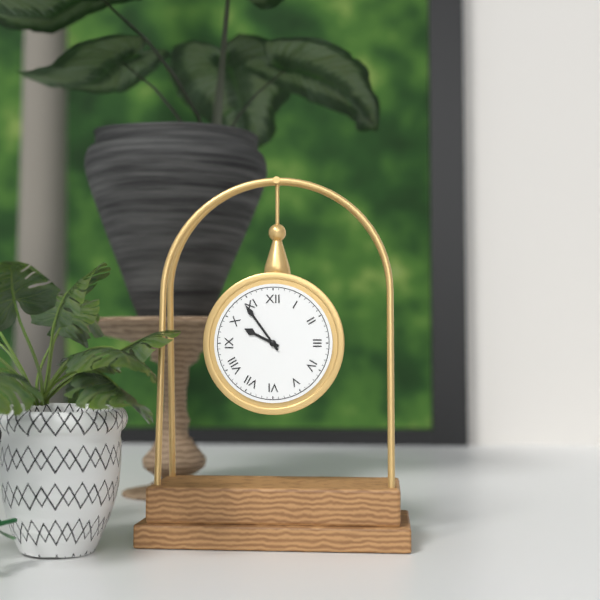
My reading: 9:54
